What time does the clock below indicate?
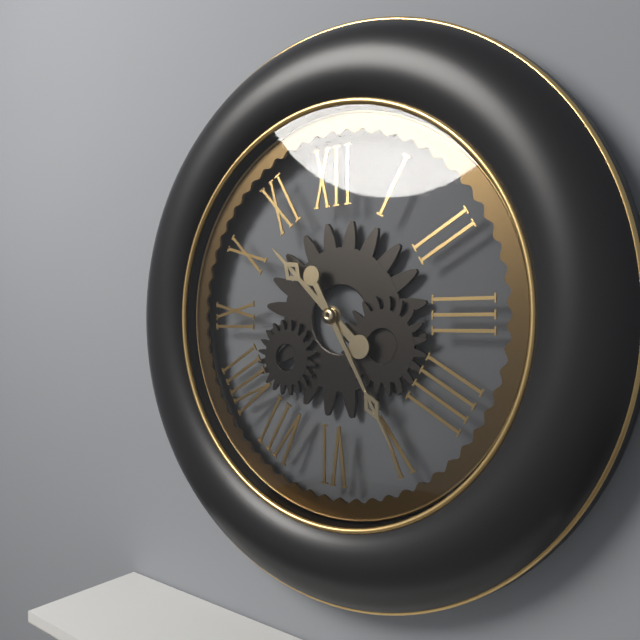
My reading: 10:25
